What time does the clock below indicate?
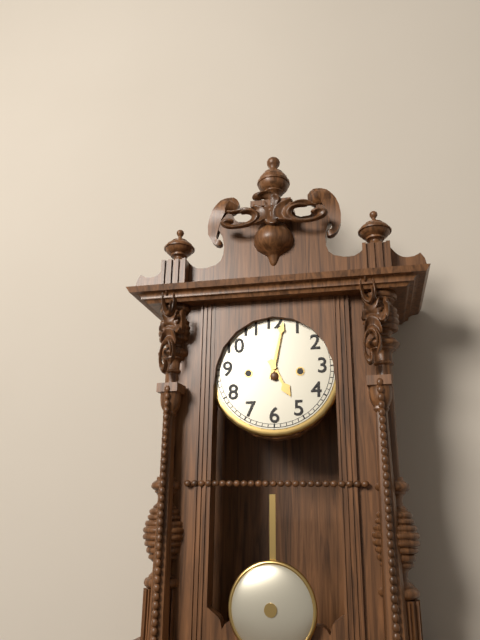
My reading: 5:02
